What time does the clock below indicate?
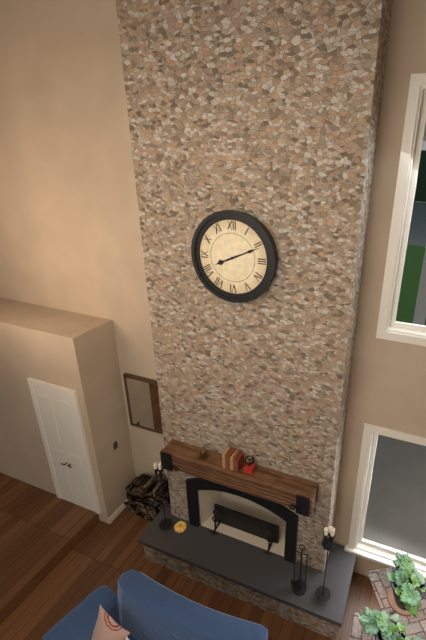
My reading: 8:11
